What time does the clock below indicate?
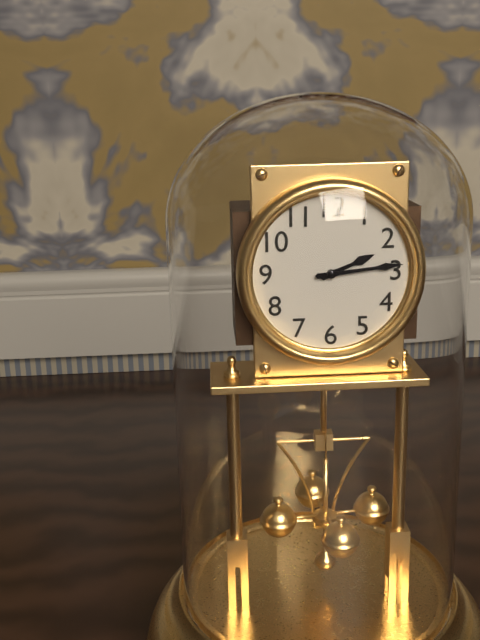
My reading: 2:14
